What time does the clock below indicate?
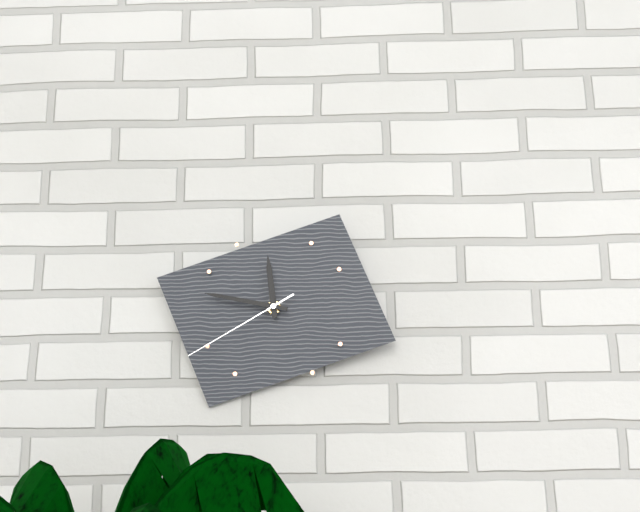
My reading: 11:47:40
